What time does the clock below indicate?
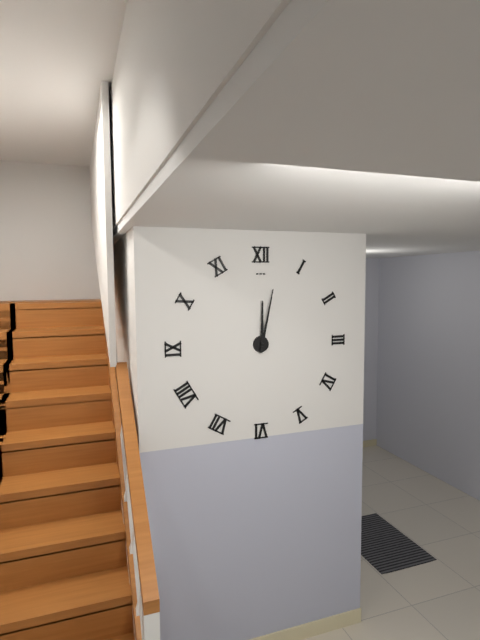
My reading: 12:02
